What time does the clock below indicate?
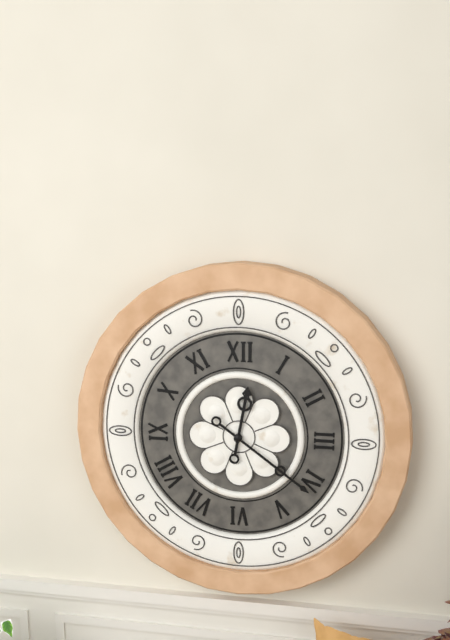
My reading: 12:21
